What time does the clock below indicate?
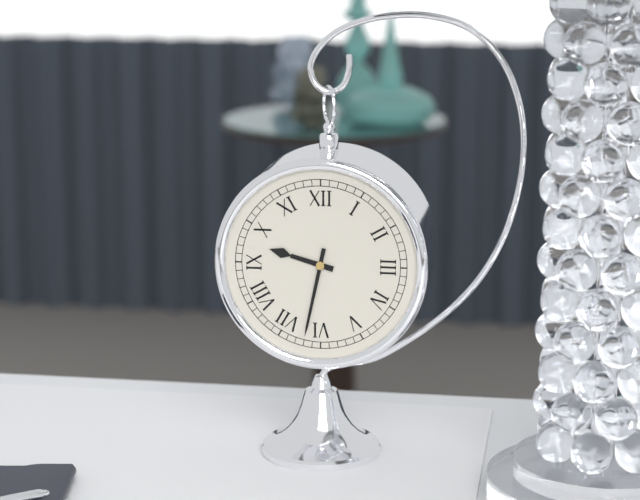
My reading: 9:32
